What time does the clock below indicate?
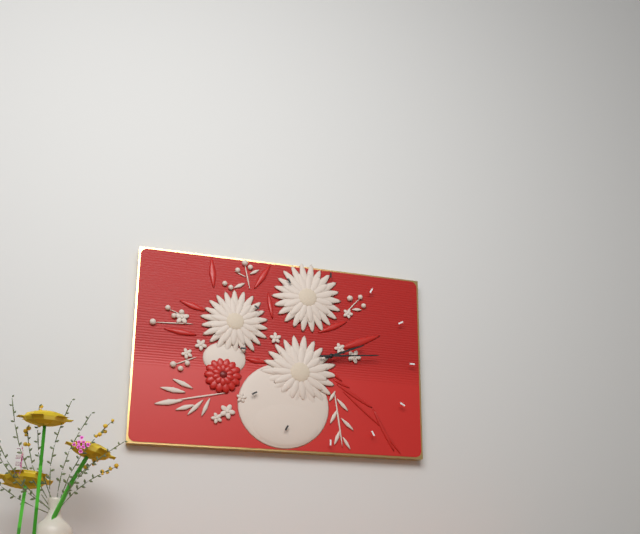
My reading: 2:14
